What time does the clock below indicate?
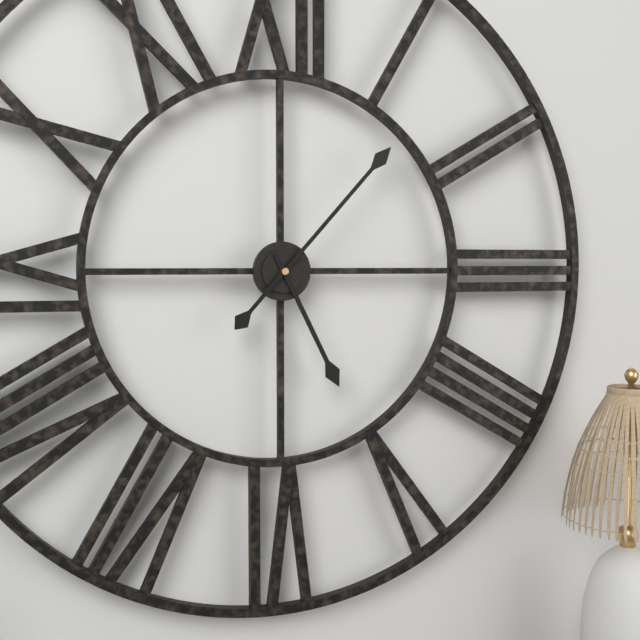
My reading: 5:07
